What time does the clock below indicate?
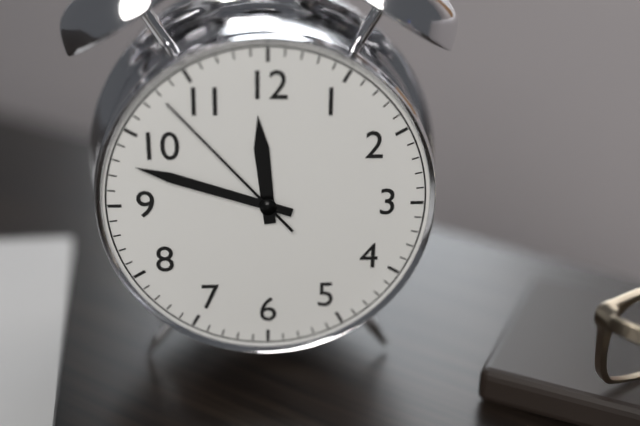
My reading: 11:48:53
